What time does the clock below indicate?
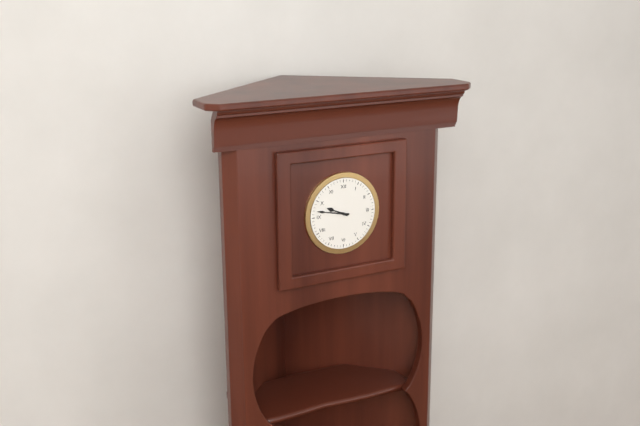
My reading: 9:47
